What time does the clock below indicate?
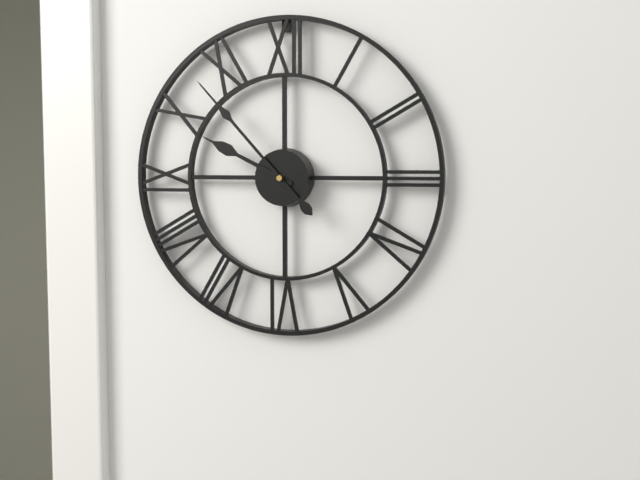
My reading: 9:53
